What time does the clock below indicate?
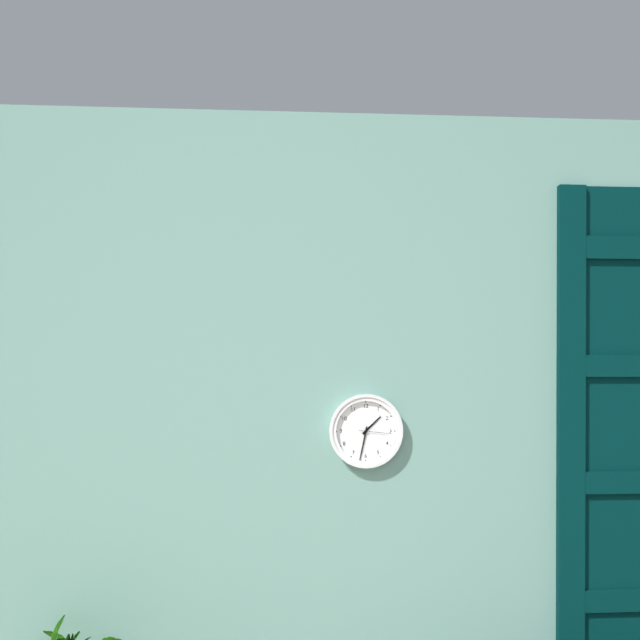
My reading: 1:32
